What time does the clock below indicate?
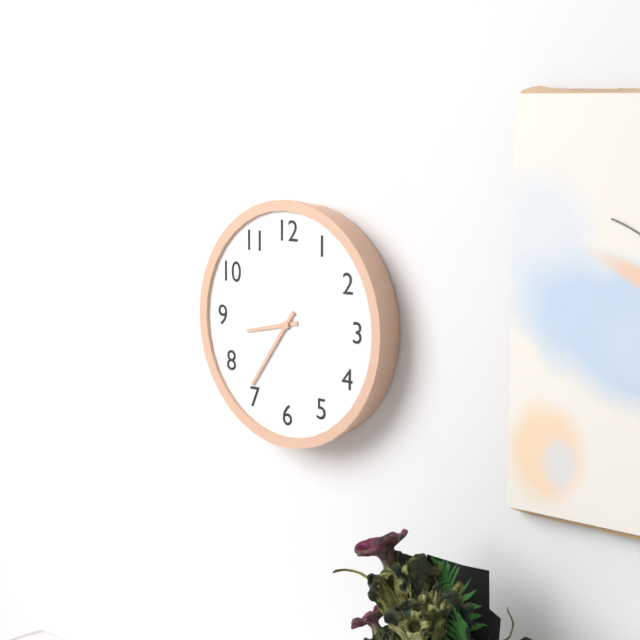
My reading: 8:36
